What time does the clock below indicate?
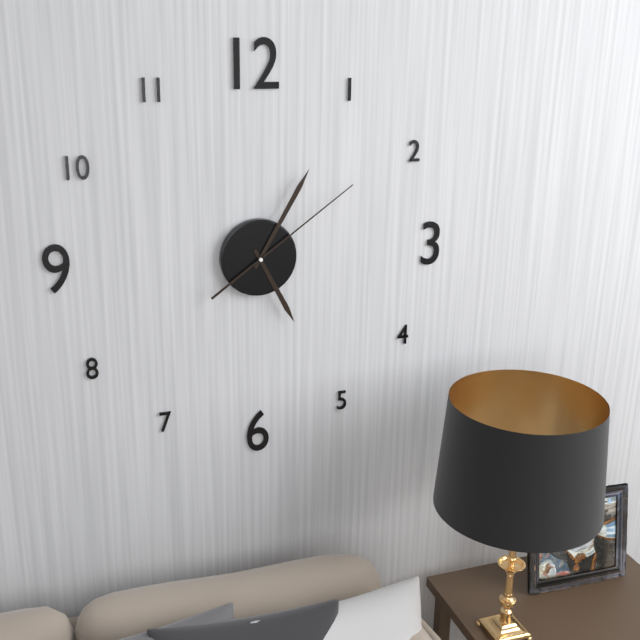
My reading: 5:05:09
